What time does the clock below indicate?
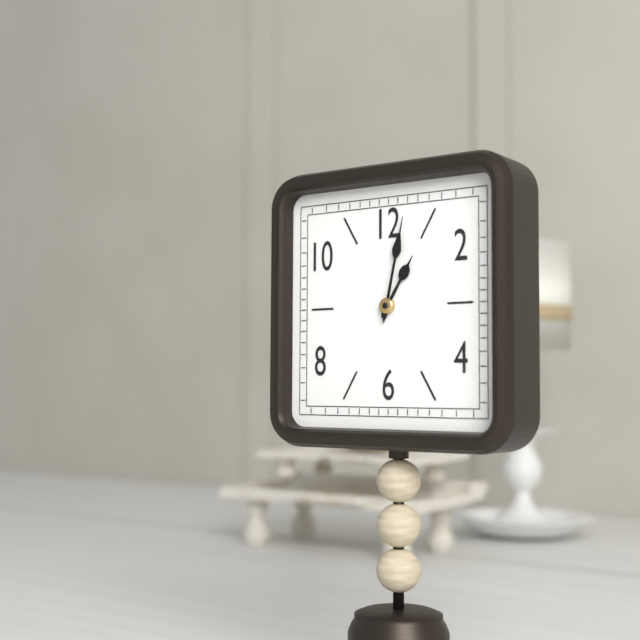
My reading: 1:02
